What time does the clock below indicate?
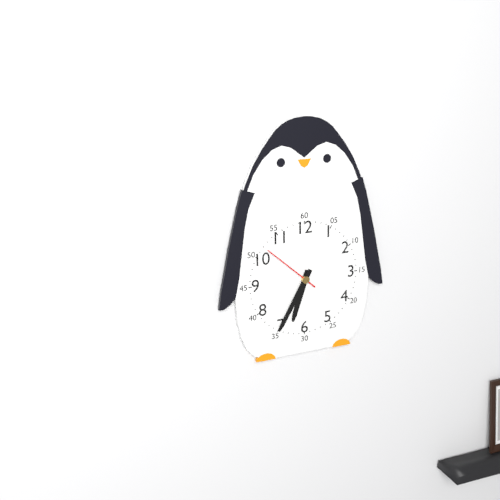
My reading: 6:35:52
